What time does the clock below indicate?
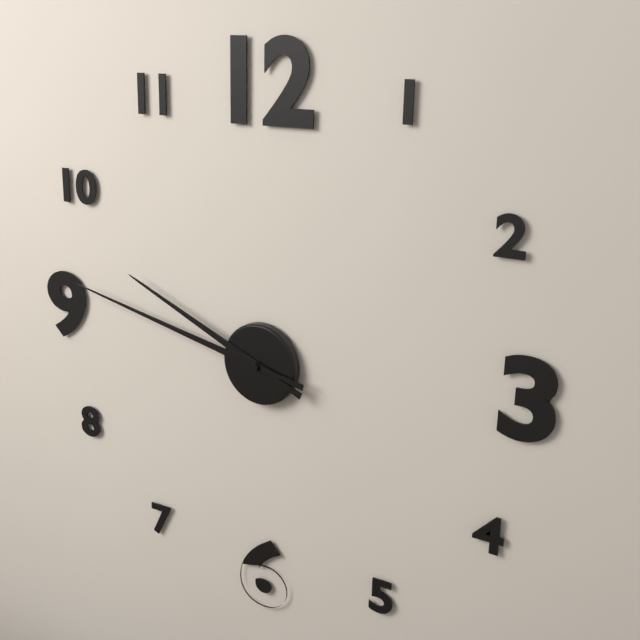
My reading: 9:47
